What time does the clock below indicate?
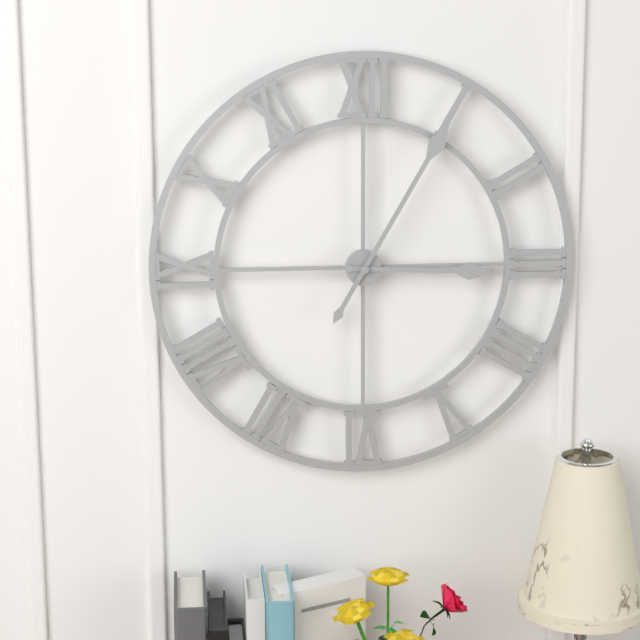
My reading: 3:05
